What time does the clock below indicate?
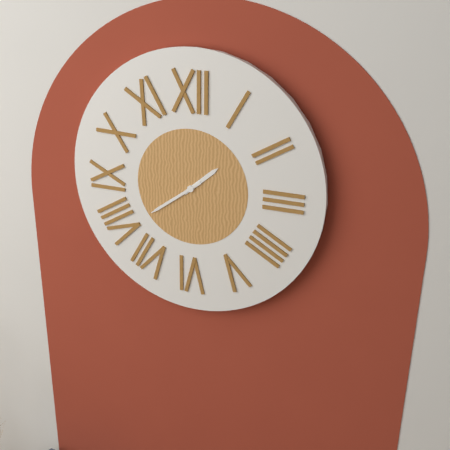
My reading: 1:39
